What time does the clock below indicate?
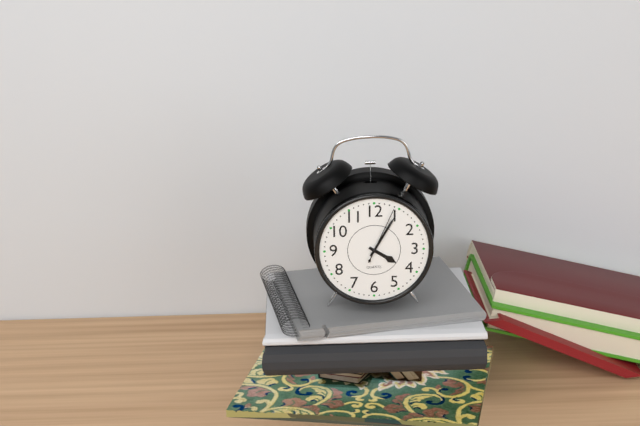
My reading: 4:05
